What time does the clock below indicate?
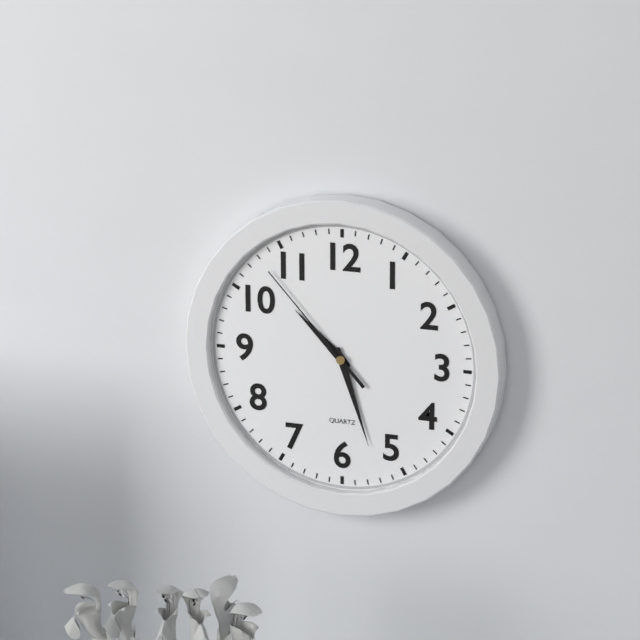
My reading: 10:27:53
